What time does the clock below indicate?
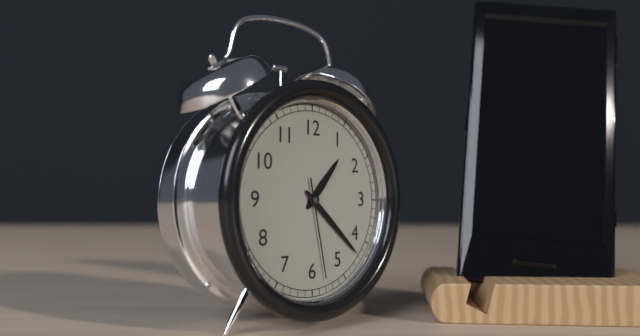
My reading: 1:22:28
